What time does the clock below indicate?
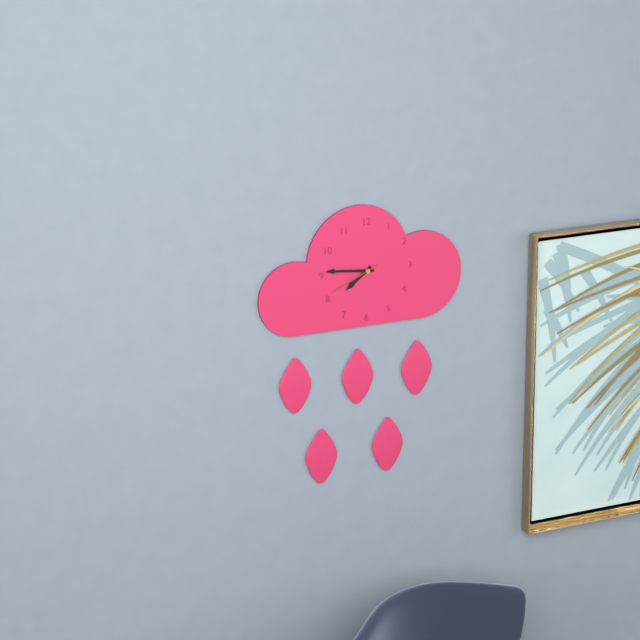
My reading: 7:46
